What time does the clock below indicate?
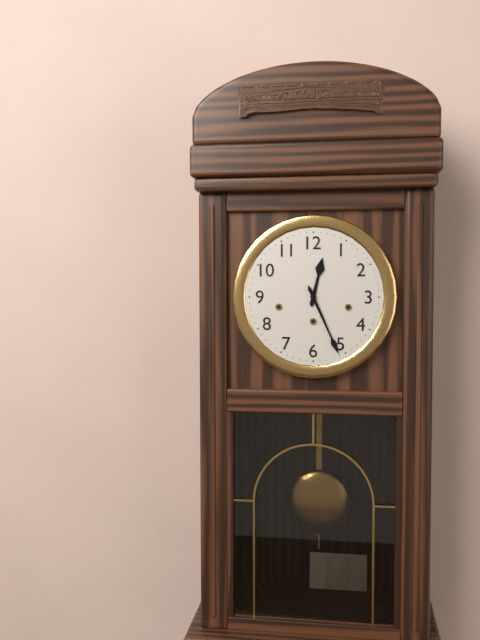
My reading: 12:26
